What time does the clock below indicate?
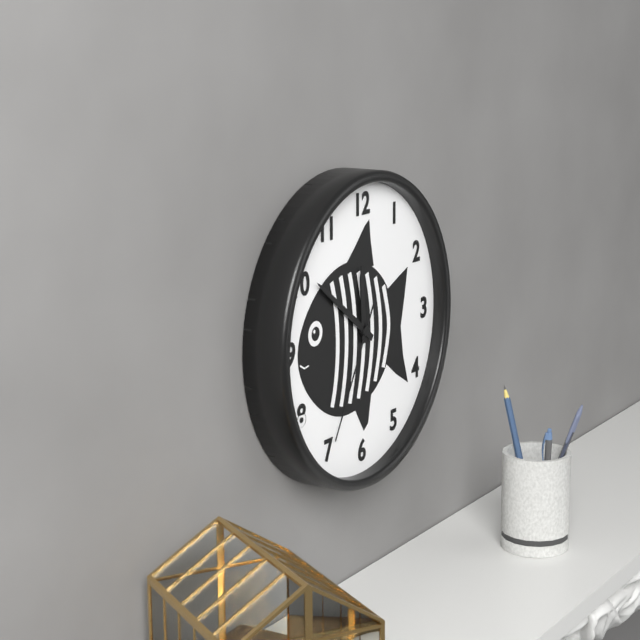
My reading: 11:51:35
